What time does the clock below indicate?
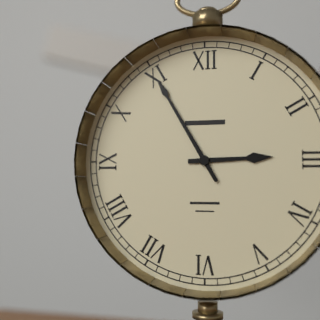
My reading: 2:55
